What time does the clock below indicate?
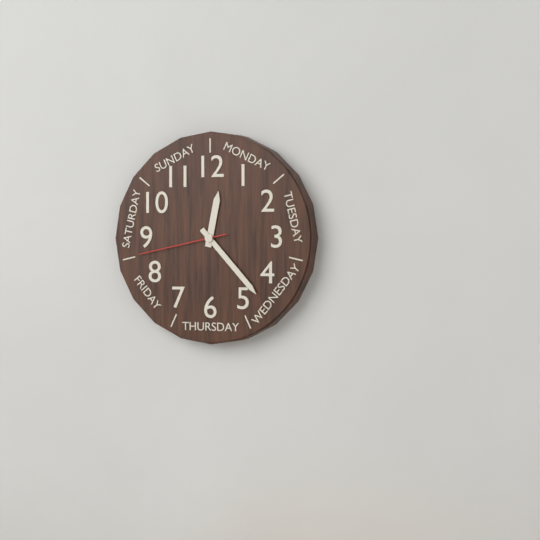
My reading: 12:23:43
